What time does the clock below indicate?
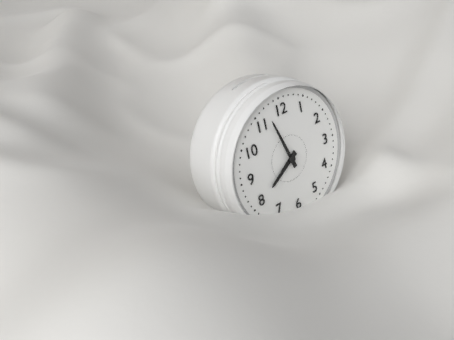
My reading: 7:57
